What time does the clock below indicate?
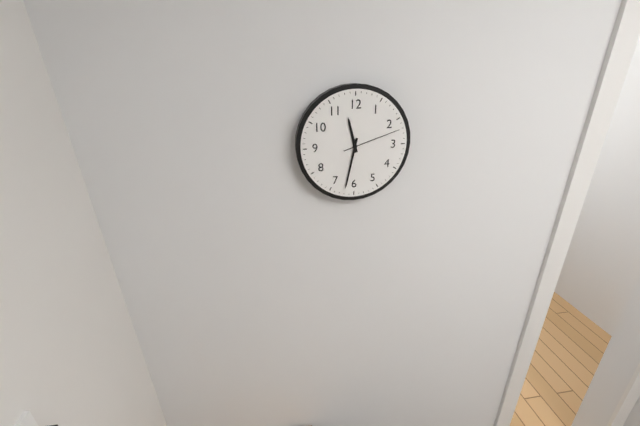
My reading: 11:32:12
